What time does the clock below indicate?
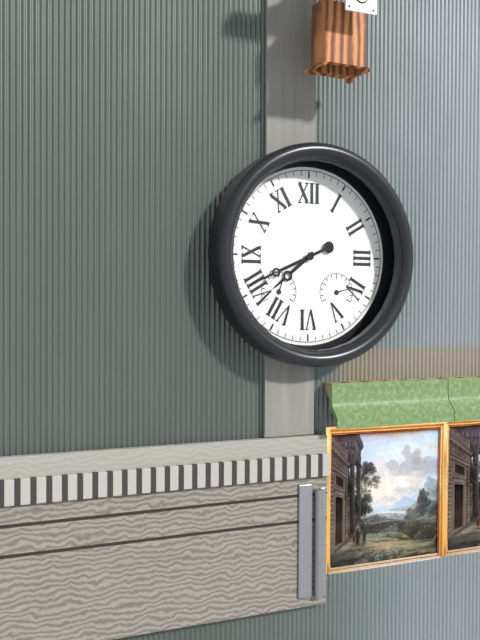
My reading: 7:41
